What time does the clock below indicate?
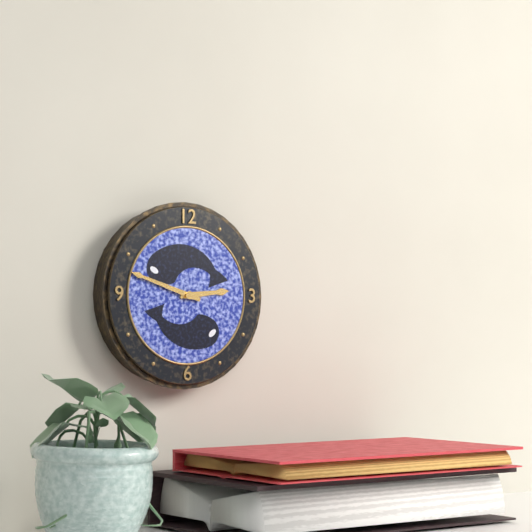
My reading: 2:48
